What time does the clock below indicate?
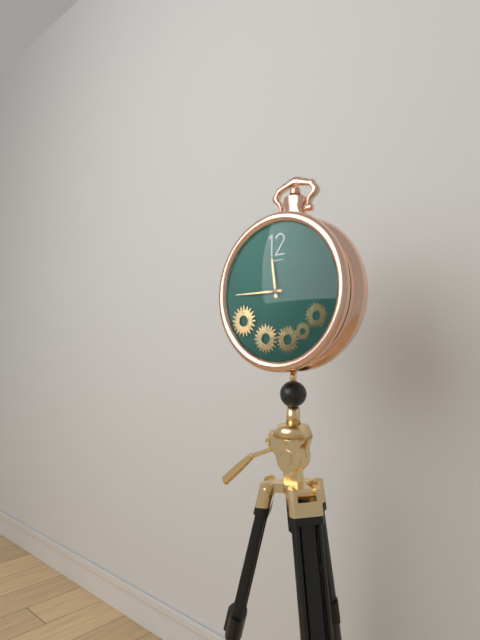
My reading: 11:45
